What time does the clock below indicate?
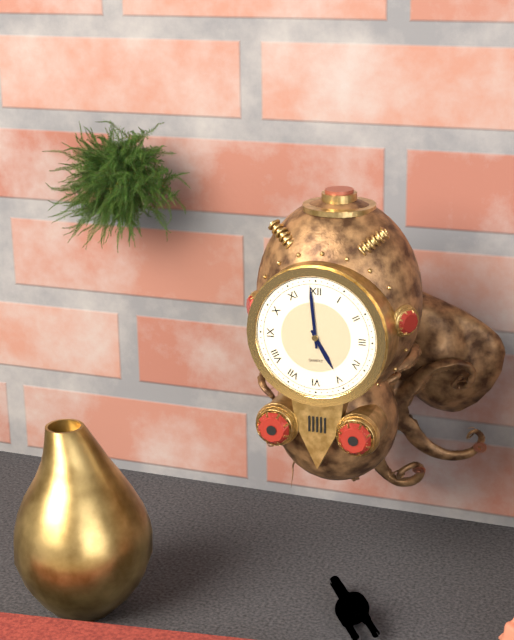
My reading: 4:59
